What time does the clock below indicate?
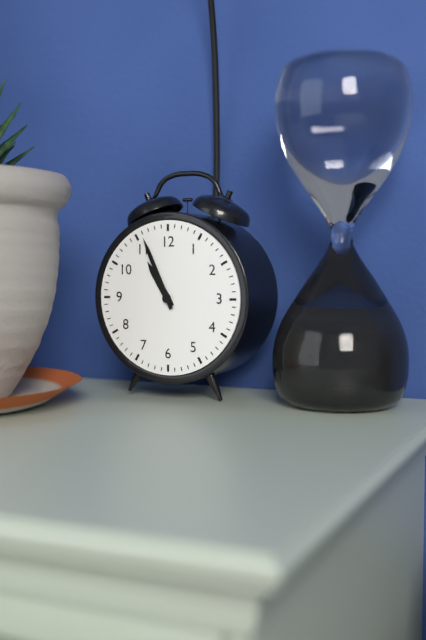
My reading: 10:56
